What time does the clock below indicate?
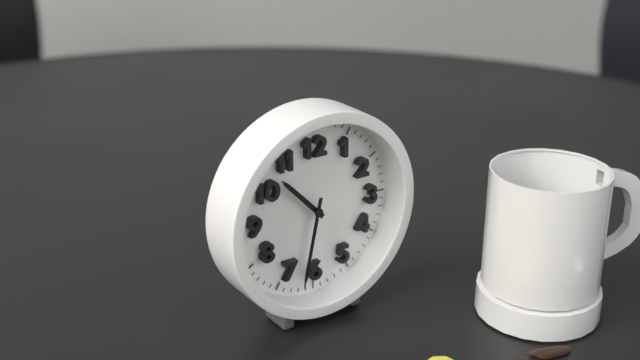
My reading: 10:32
